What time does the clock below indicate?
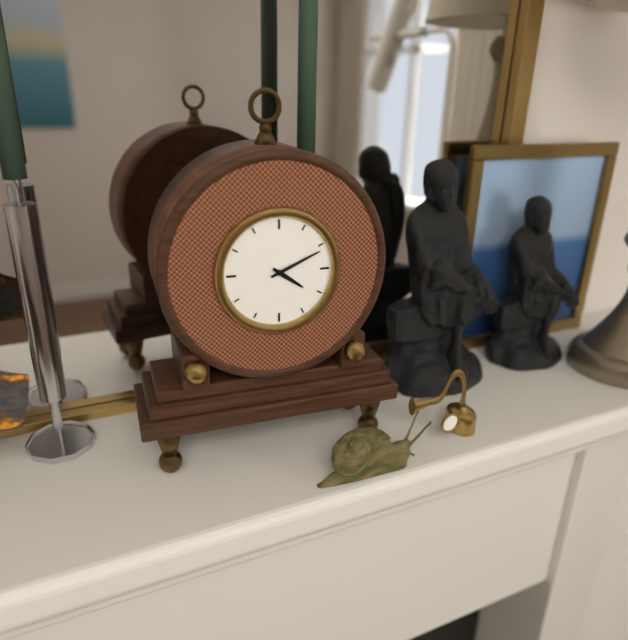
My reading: 4:11
